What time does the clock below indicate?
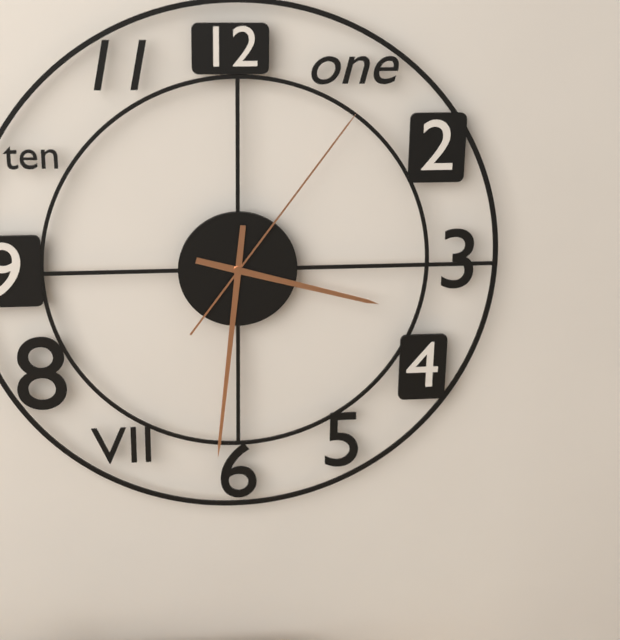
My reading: 3:31:06
